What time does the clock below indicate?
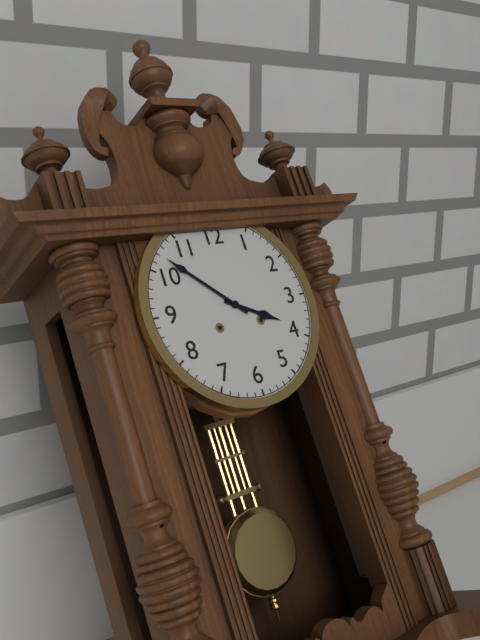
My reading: 3:52
